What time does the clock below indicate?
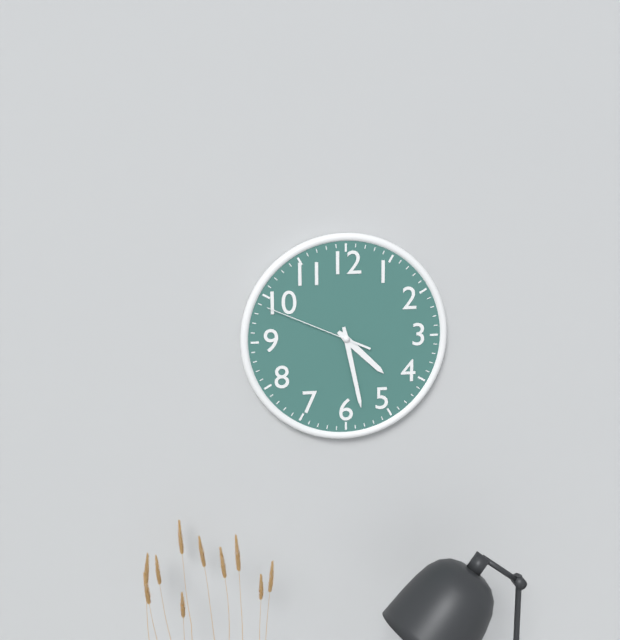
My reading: 4:28:49
